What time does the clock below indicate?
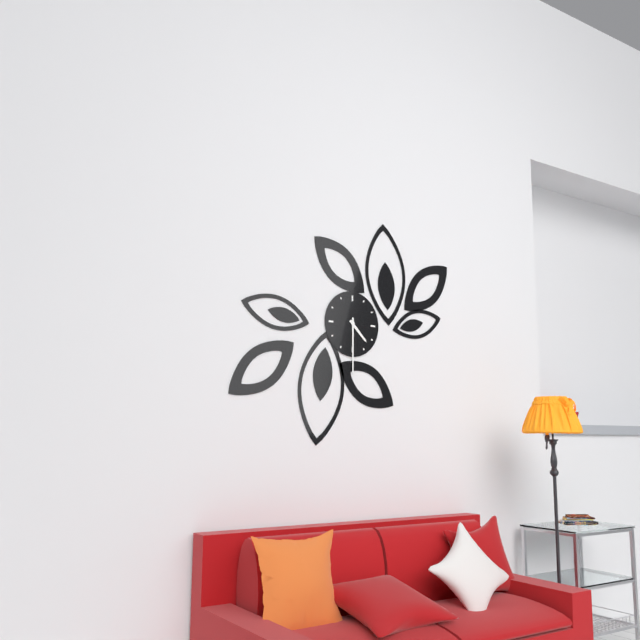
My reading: 4:30
